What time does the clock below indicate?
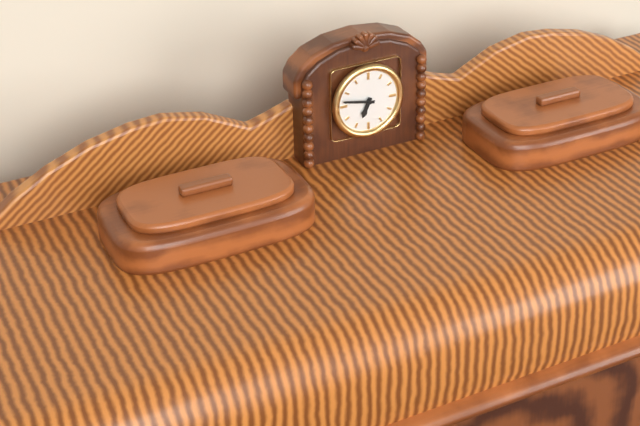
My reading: 6:47
